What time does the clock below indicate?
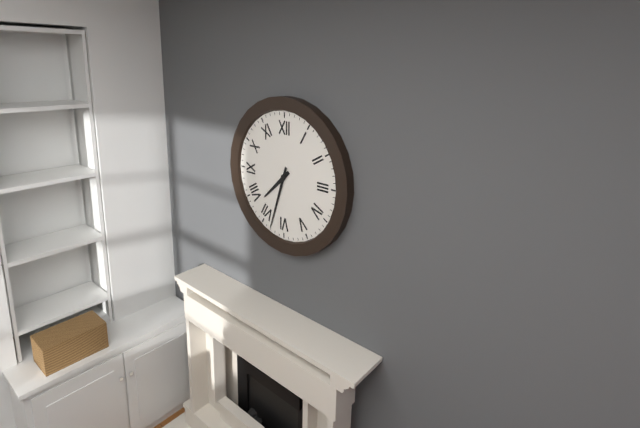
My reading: 7:33
